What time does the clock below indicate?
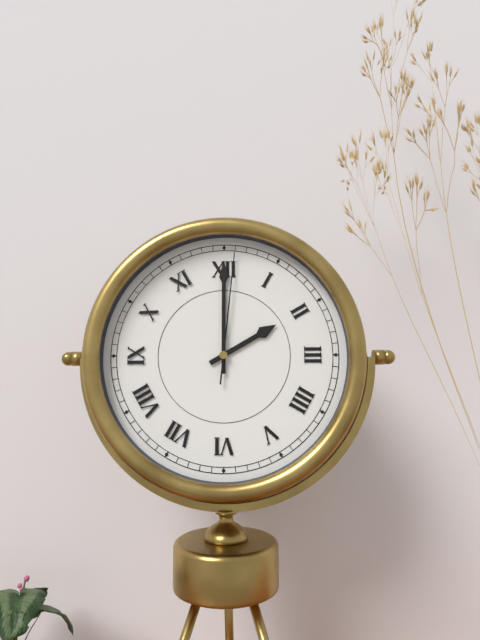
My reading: 2:00:01
